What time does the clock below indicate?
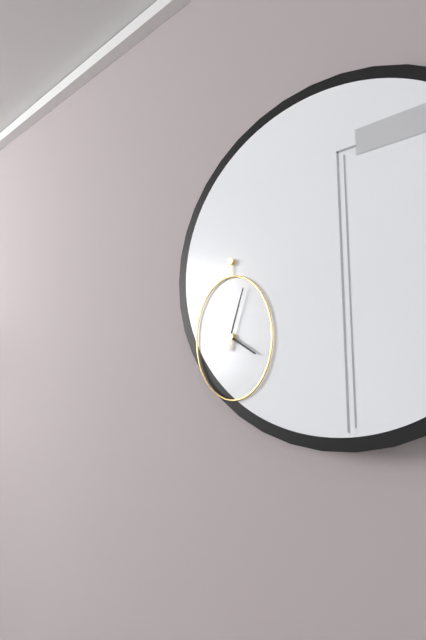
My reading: 4:03
